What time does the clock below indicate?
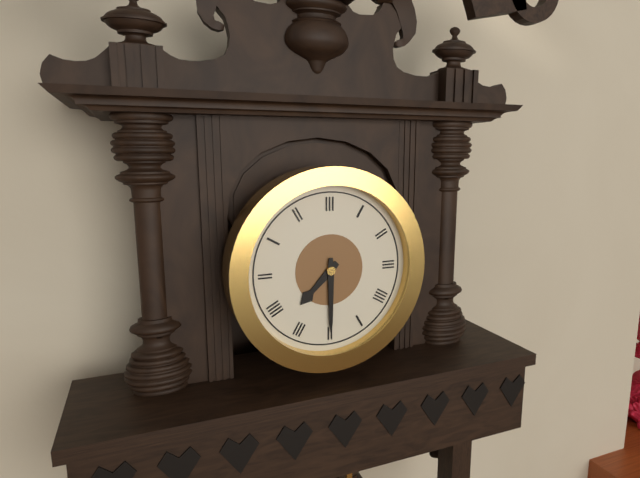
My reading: 7:30
